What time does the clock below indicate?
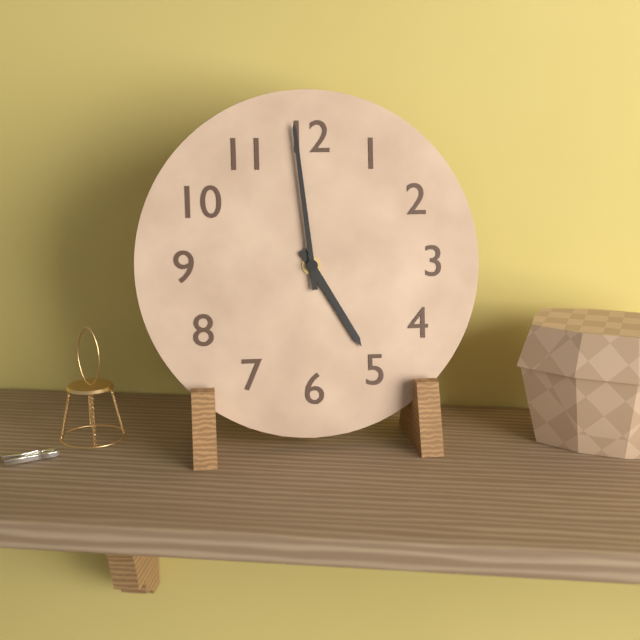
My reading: 4:59
